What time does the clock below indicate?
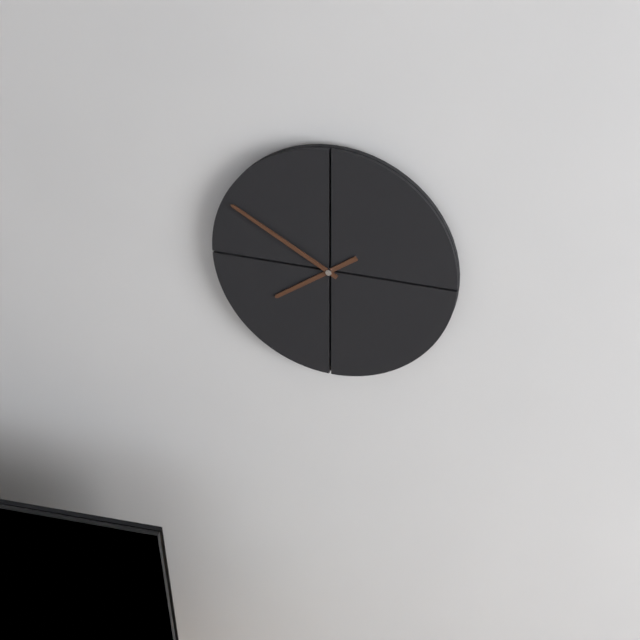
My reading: 7:50
